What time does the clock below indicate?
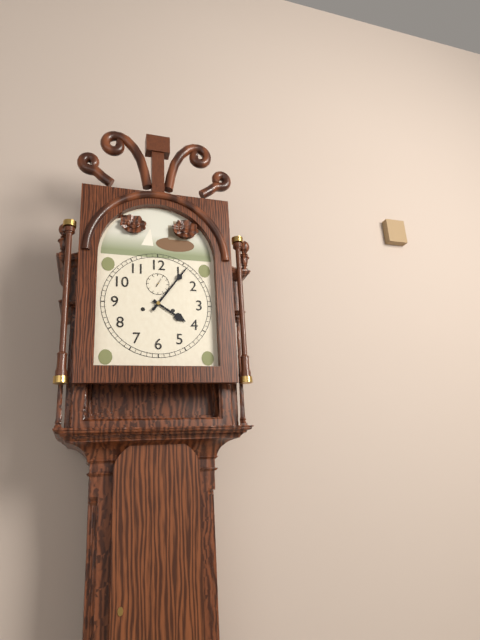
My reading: 4:06
